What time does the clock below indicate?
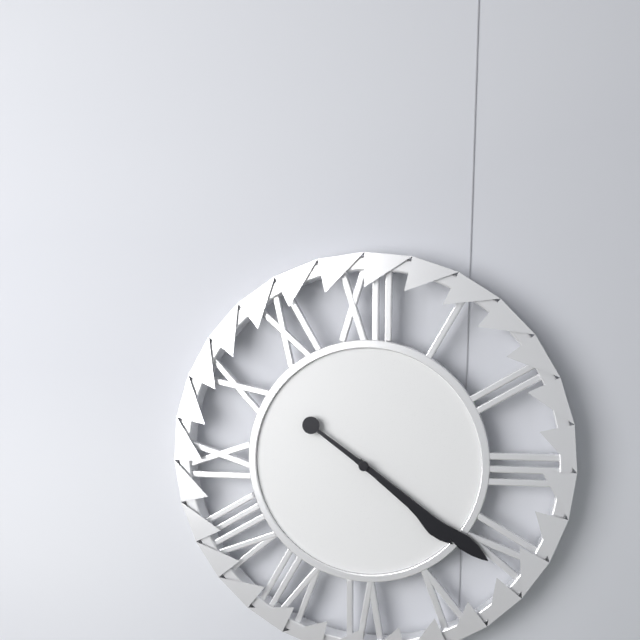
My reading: 4:21
